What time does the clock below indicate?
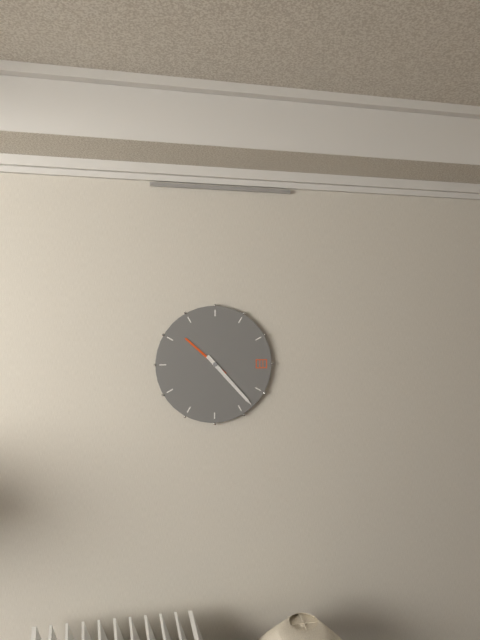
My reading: 10:23
